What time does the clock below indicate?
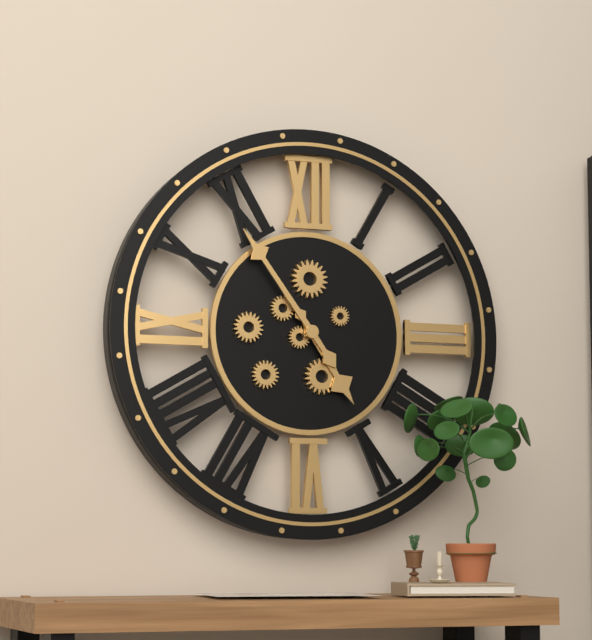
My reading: 4:54
